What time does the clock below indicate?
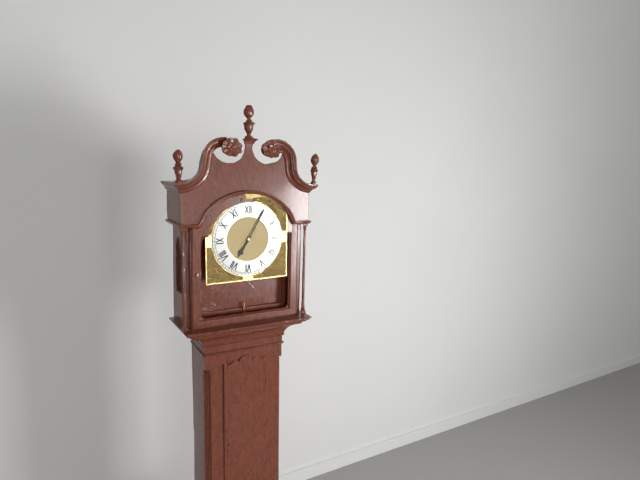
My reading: 7:05
